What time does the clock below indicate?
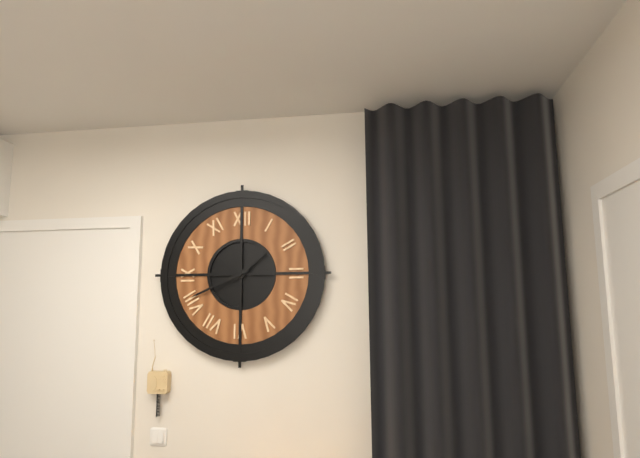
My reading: 1:41
